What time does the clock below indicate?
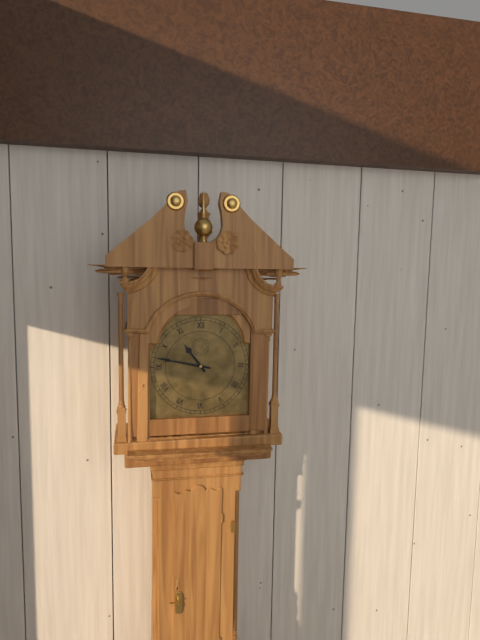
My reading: 10:47
